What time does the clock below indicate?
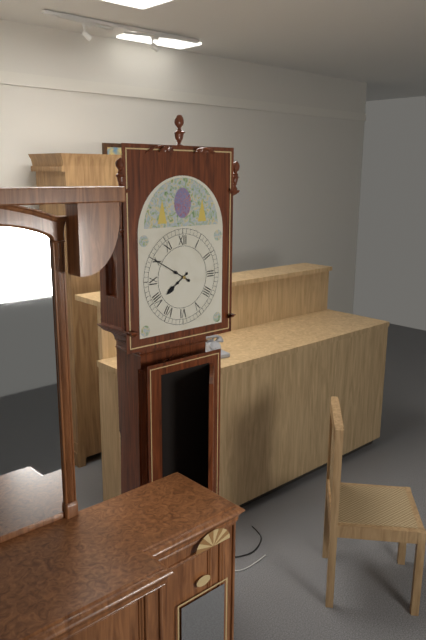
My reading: 7:50
